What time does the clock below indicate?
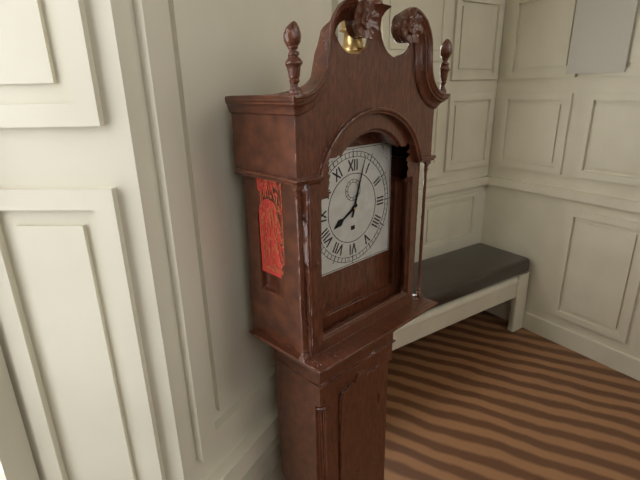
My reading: 8:03
